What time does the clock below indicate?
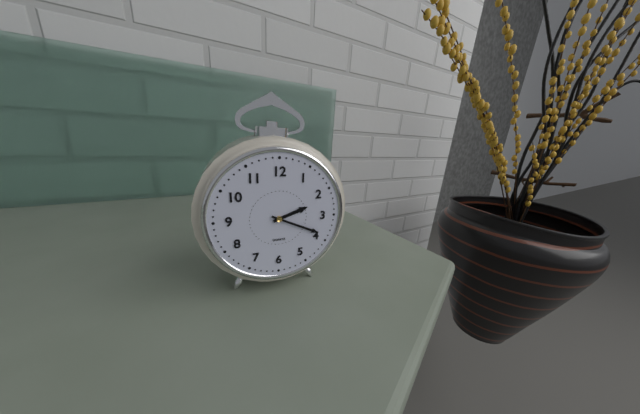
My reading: 2:19
